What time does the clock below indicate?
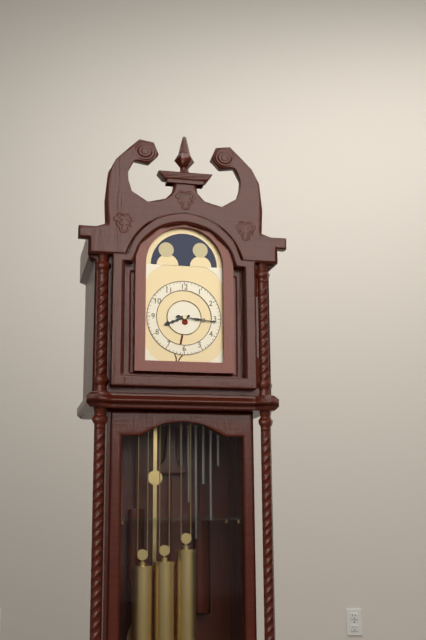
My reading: 8:16
